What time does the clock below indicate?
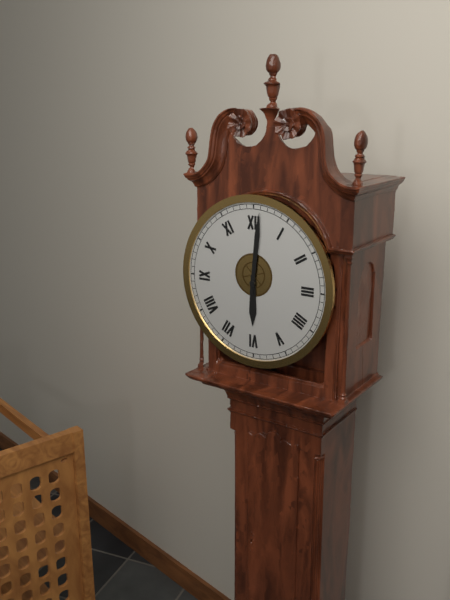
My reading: 6:01
